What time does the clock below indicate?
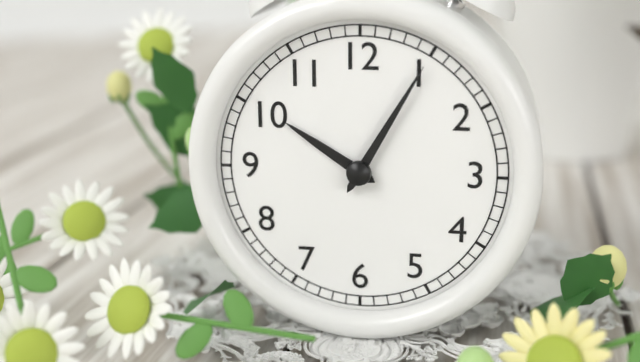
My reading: 10:05
